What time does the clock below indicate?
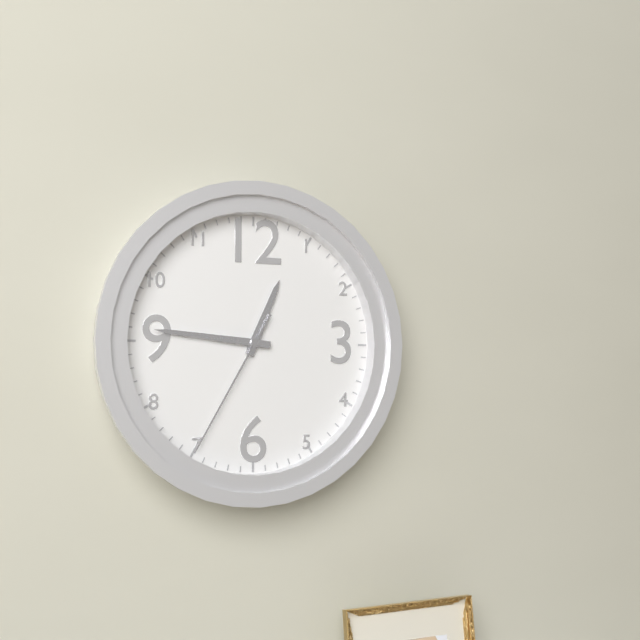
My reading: 12:46:35
